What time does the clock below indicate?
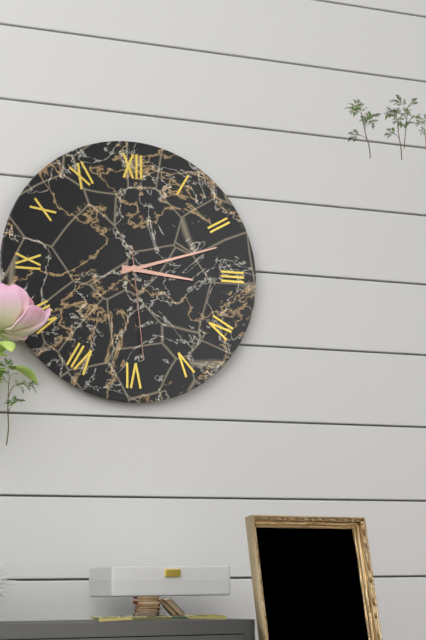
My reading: 3:12:29
